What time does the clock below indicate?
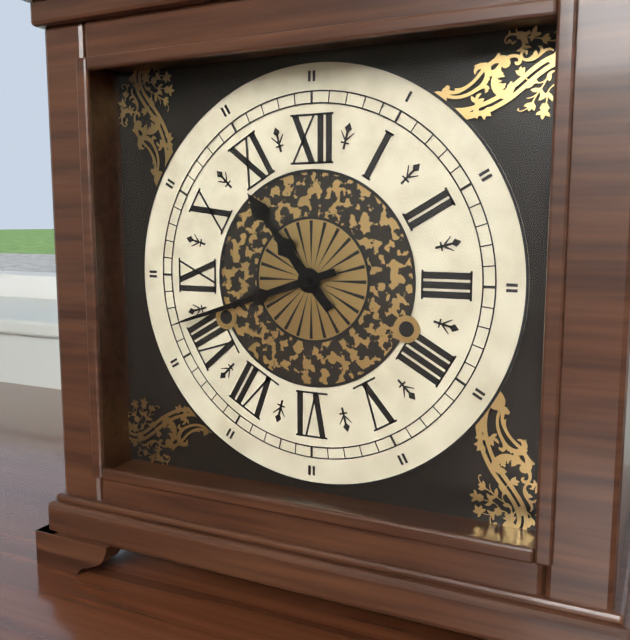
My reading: 10:42
